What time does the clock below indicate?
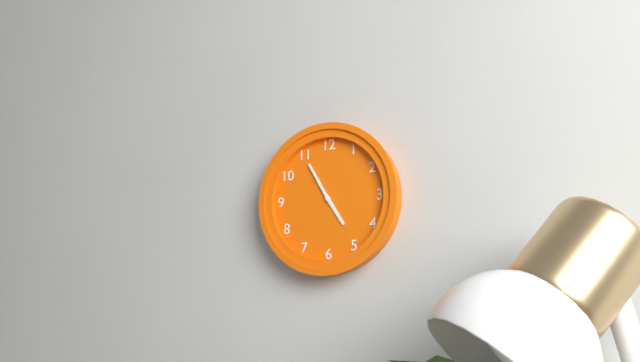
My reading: 4:55
